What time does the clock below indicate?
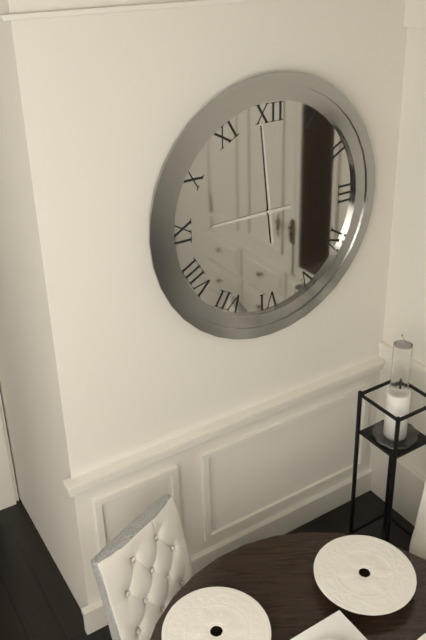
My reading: 8:59
